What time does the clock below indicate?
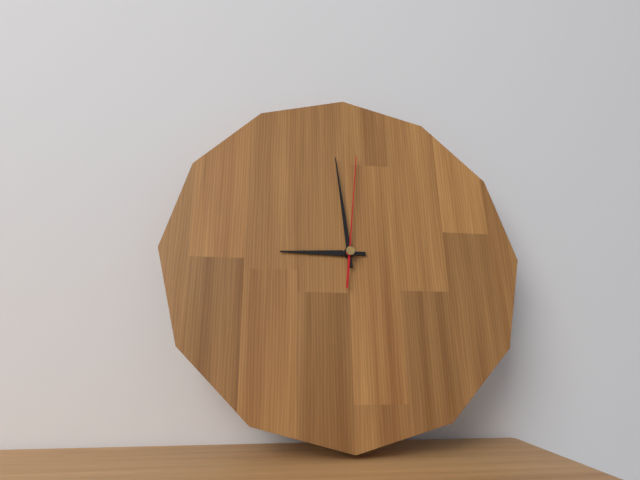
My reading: 8:59:01
